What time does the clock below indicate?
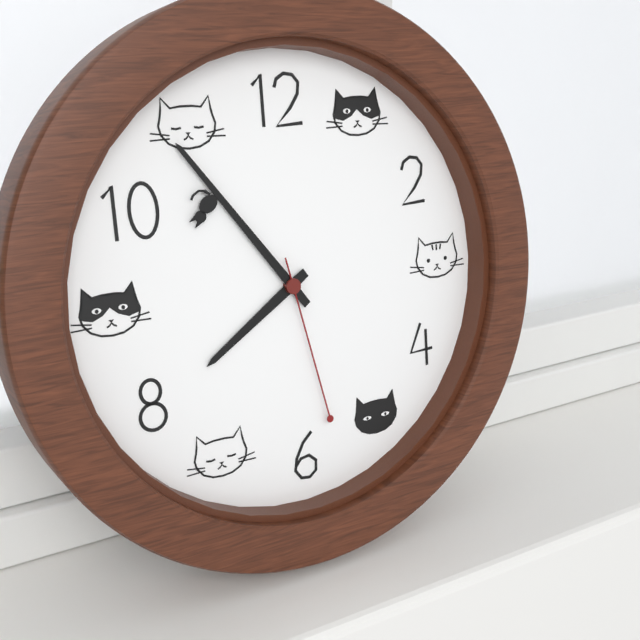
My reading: 7:54:28
